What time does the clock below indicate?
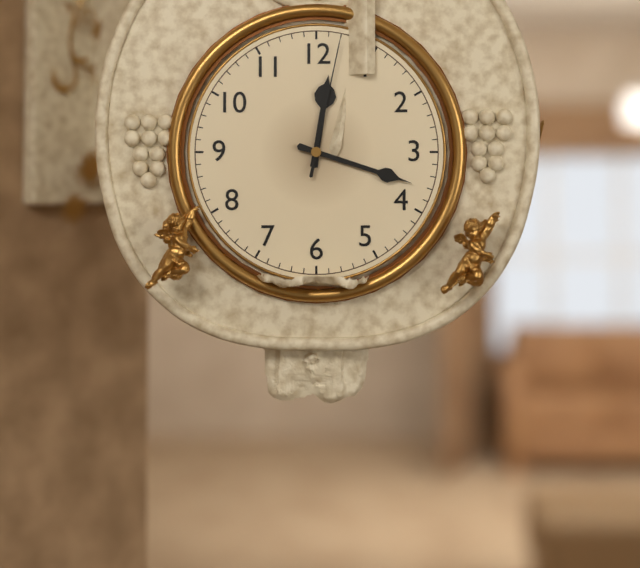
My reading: 12:18:02
